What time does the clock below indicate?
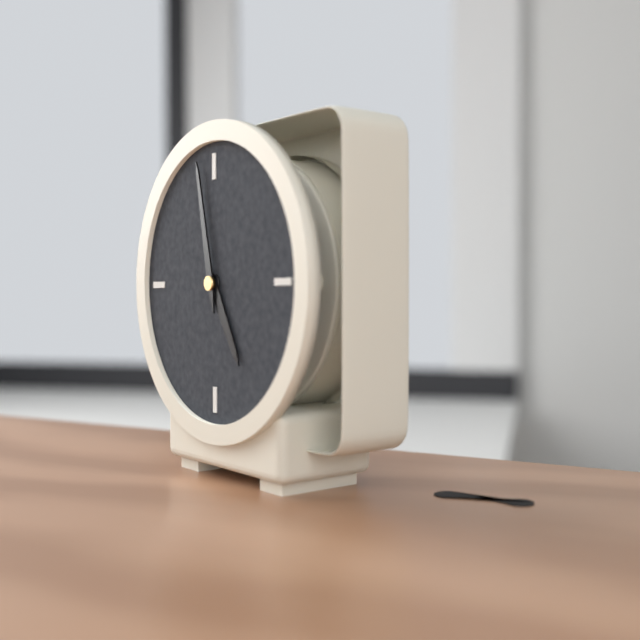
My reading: 4:58
